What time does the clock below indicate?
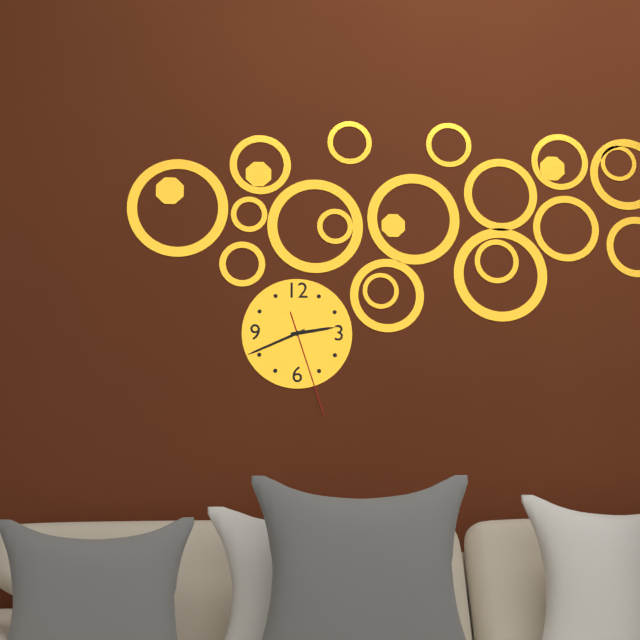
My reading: 2:41:27
